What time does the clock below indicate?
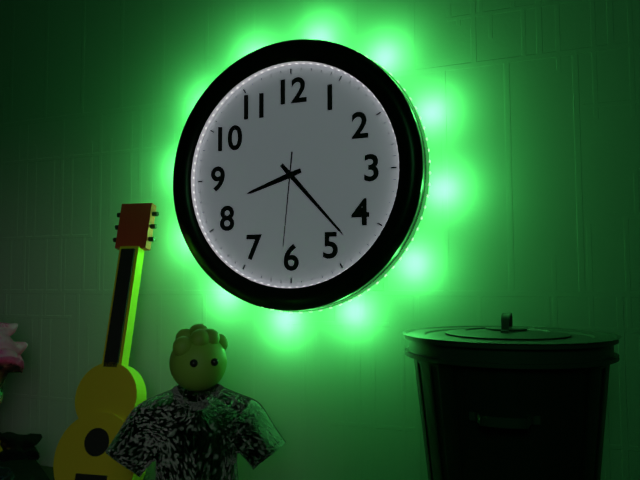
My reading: 8:23:31
